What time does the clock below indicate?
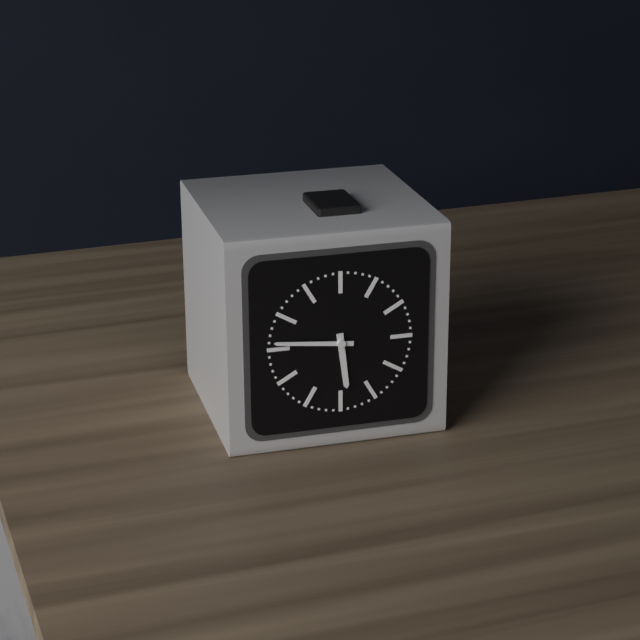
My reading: 5:46
